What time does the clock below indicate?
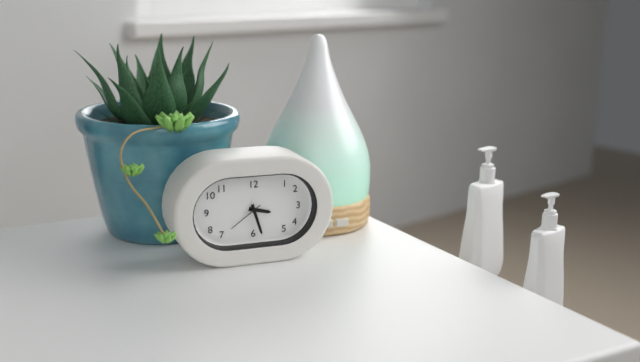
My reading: 3:27
